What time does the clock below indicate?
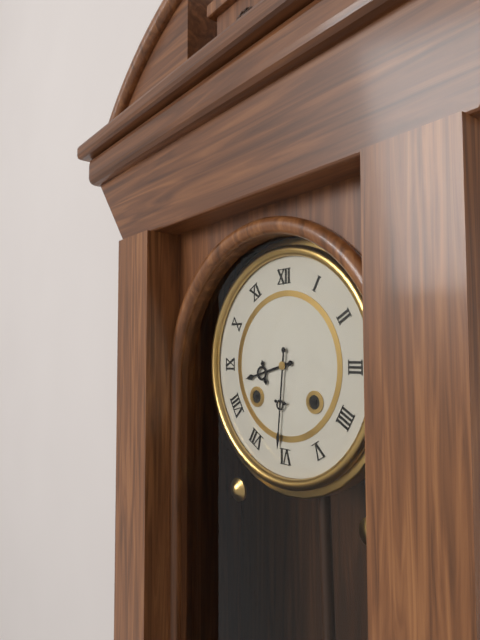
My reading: 8:31
